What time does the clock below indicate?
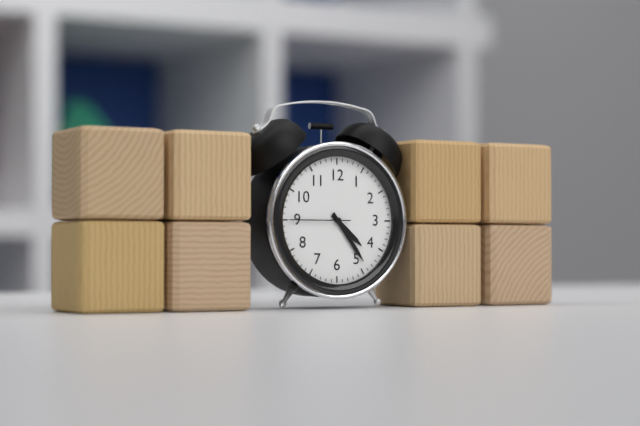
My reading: 4:24:45
